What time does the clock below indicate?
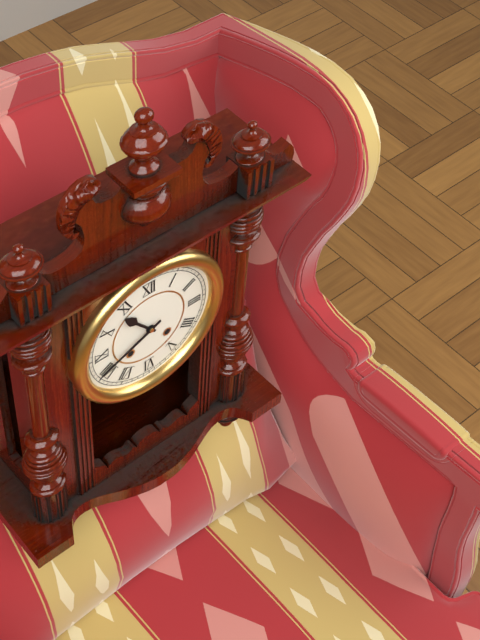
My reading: 10:41
